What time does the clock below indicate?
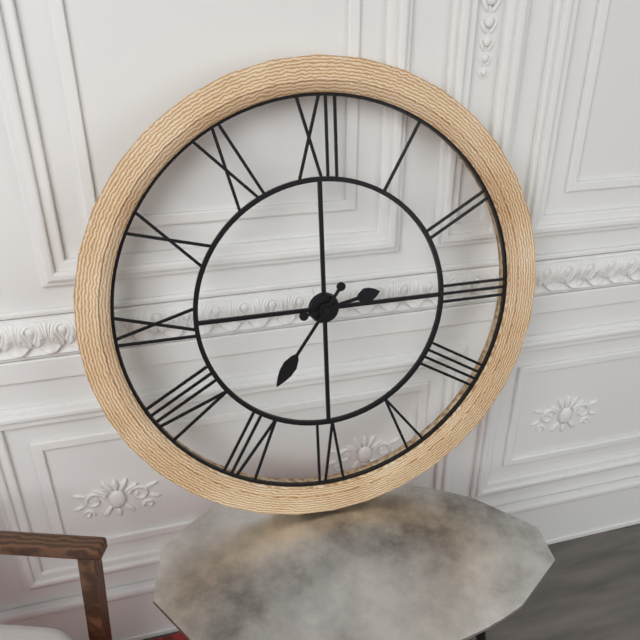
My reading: 2:36
